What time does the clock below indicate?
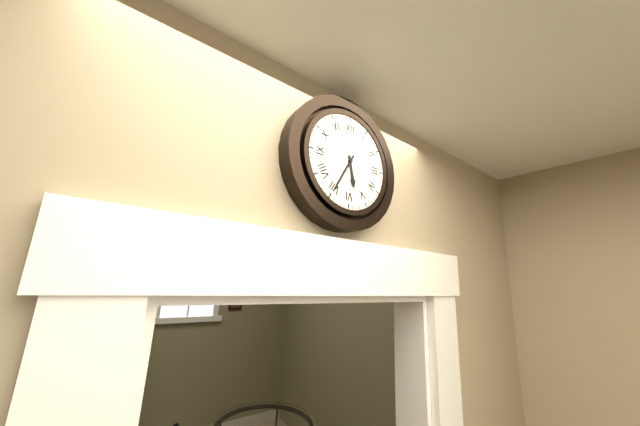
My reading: 5:35
